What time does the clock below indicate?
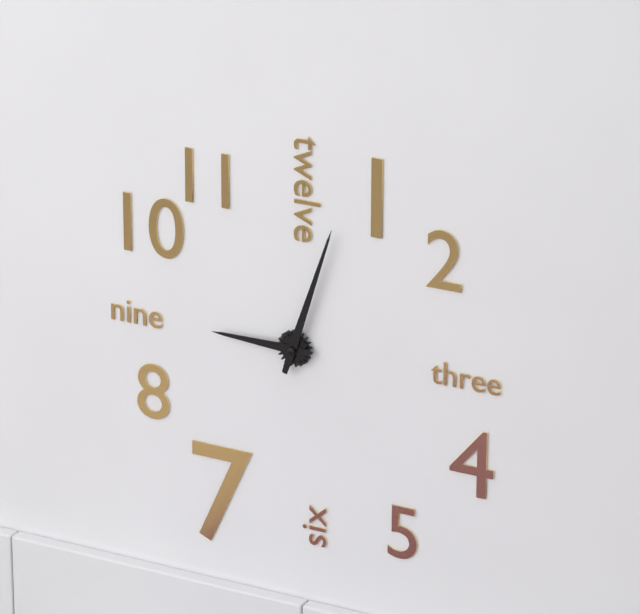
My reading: 9:03
